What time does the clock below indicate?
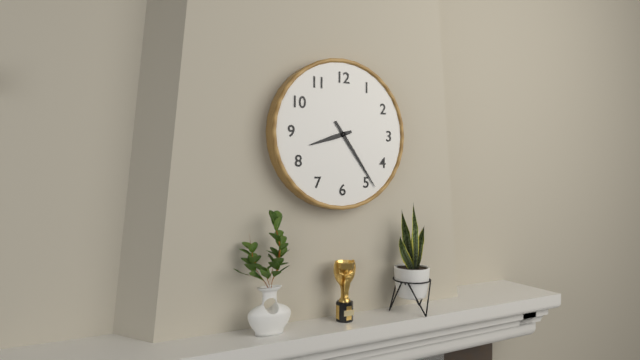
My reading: 8:24
